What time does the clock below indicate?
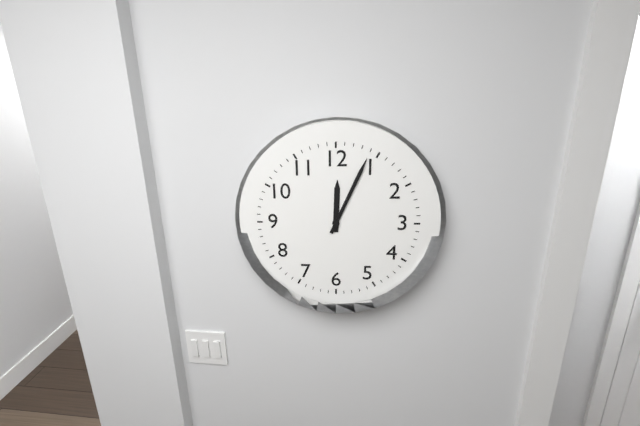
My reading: 12:04
